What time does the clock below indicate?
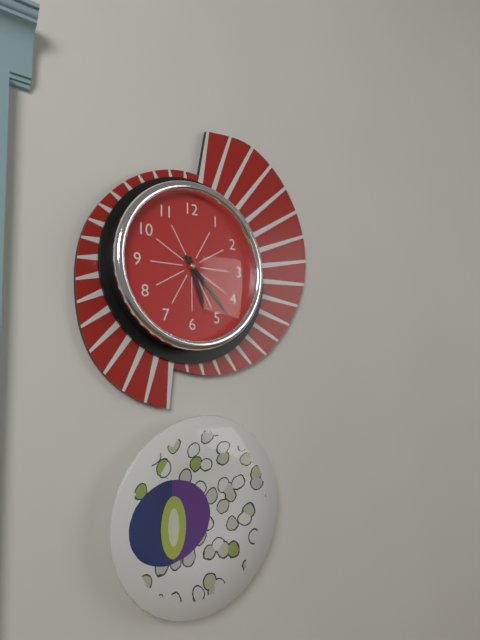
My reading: 5:23
